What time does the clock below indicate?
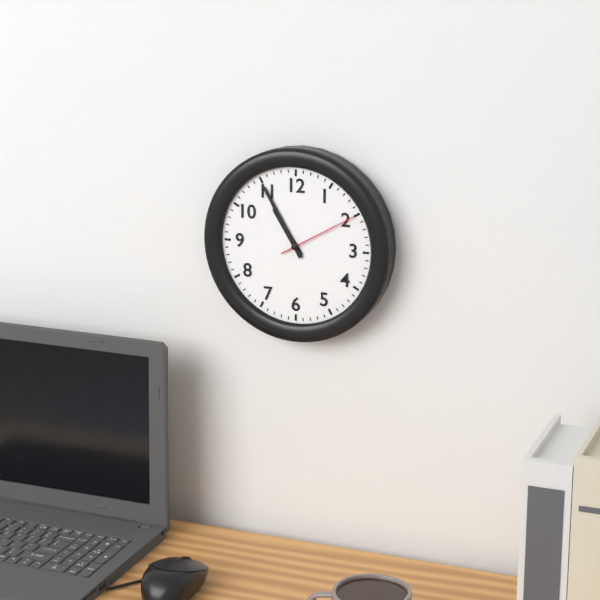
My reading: 10:55:10
